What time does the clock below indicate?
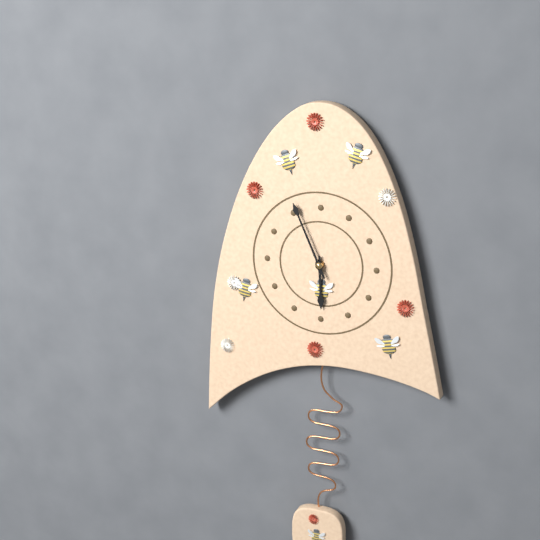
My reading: 5:56
